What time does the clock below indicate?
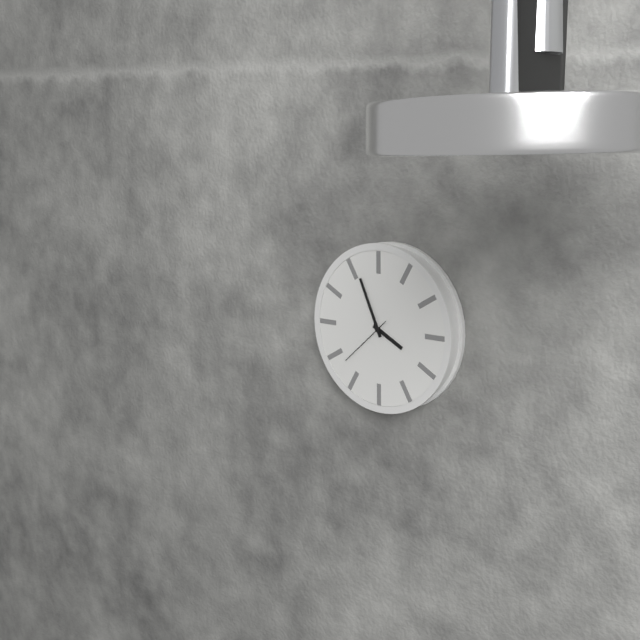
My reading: 3:56:38
